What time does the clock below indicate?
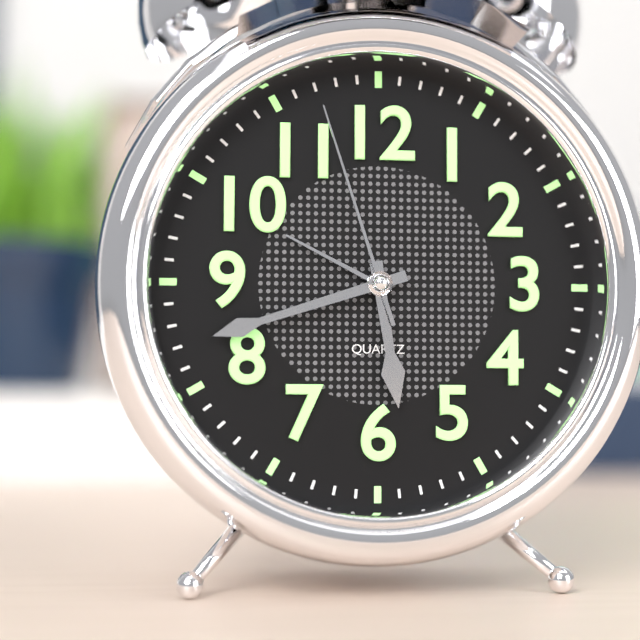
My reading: 5:42:57
